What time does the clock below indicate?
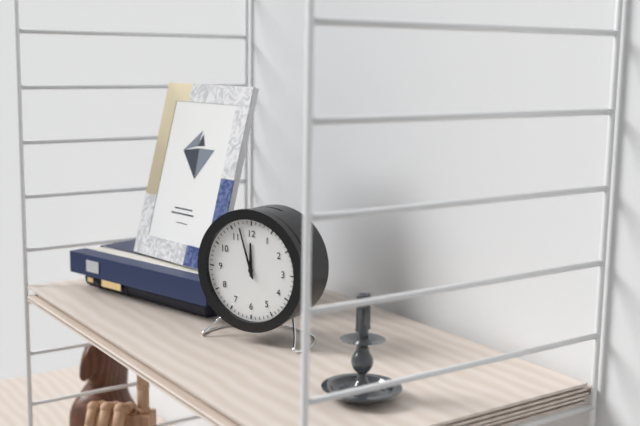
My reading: 11:57
